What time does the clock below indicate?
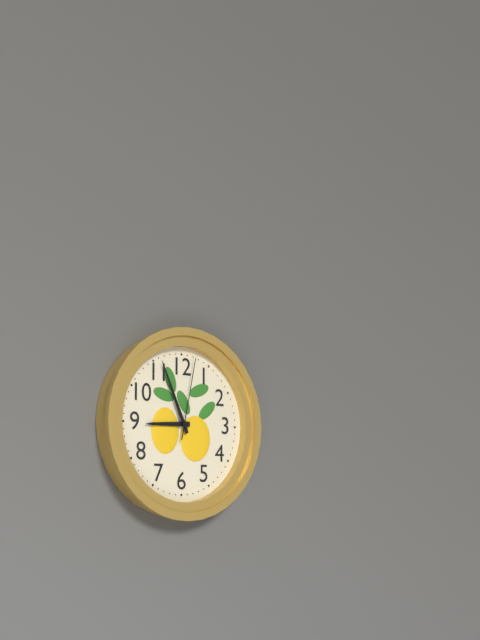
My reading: 8:56:02
